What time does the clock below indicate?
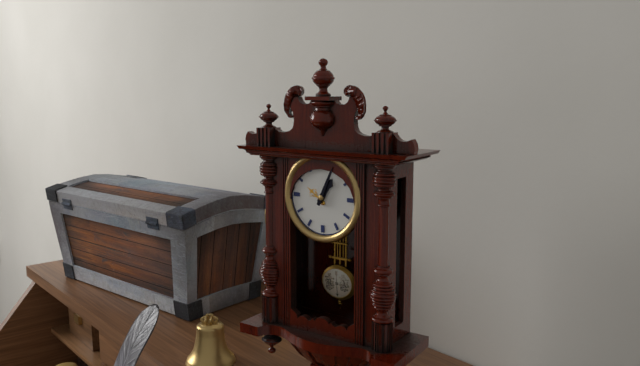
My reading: 1:04
